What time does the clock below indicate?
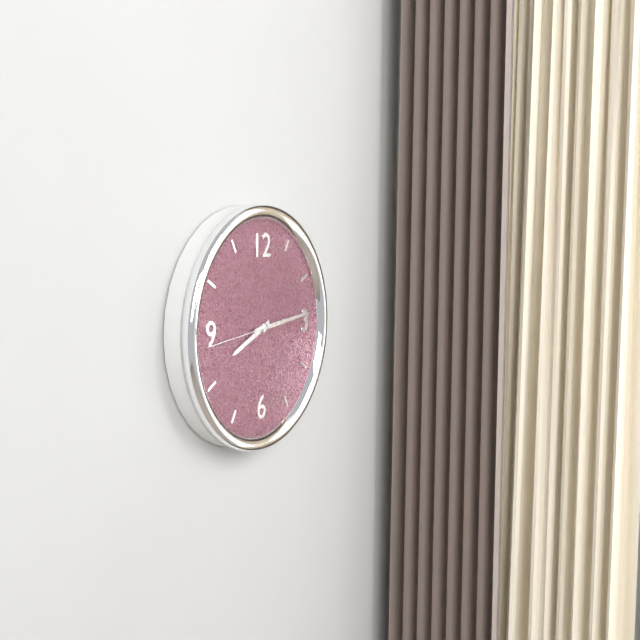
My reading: 8:14:44
